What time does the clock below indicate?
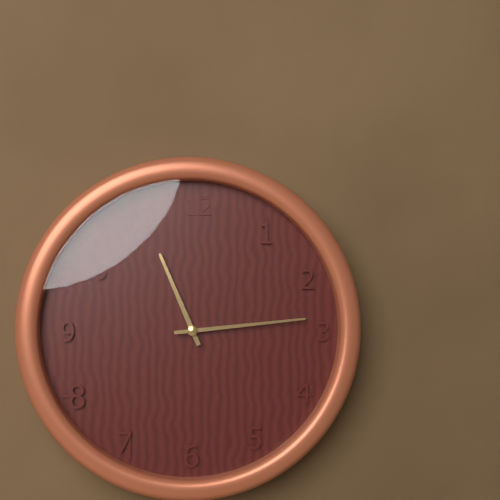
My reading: 11:14
